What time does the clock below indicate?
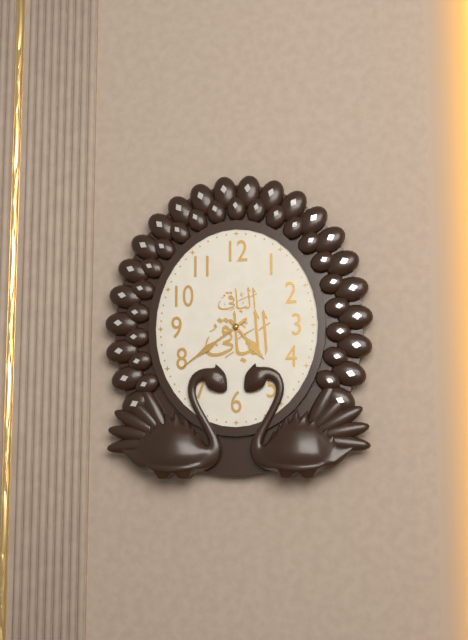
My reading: 4:39
